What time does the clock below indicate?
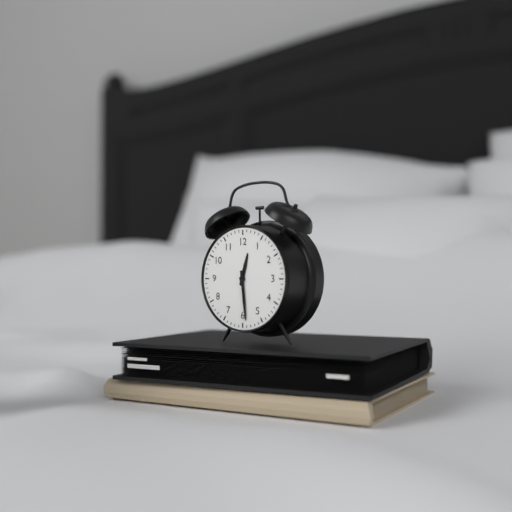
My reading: 12:29
